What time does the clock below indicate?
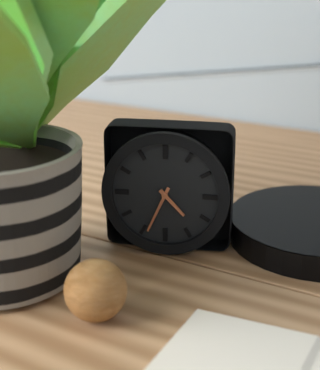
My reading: 4:34
